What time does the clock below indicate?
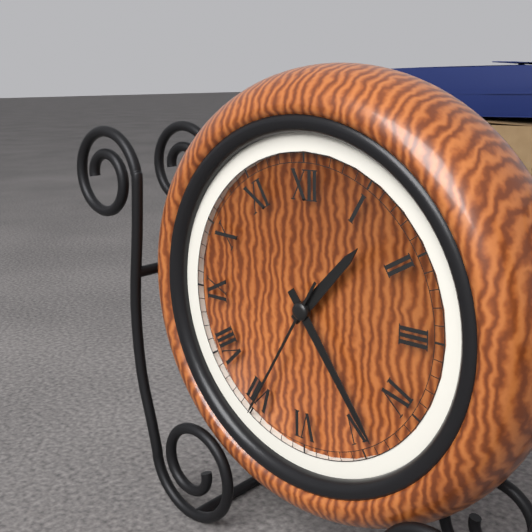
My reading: 1:24:35
